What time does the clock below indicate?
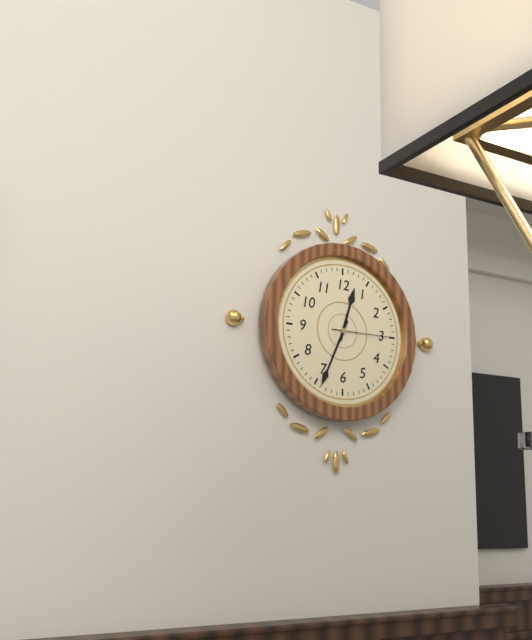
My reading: 12:34:15
